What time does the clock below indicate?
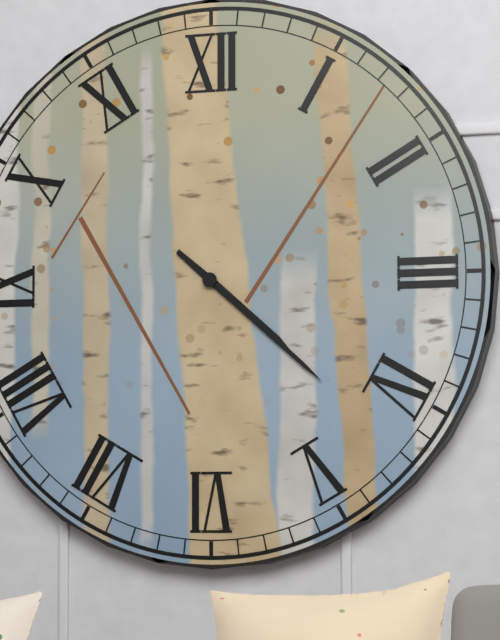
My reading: 4:22
